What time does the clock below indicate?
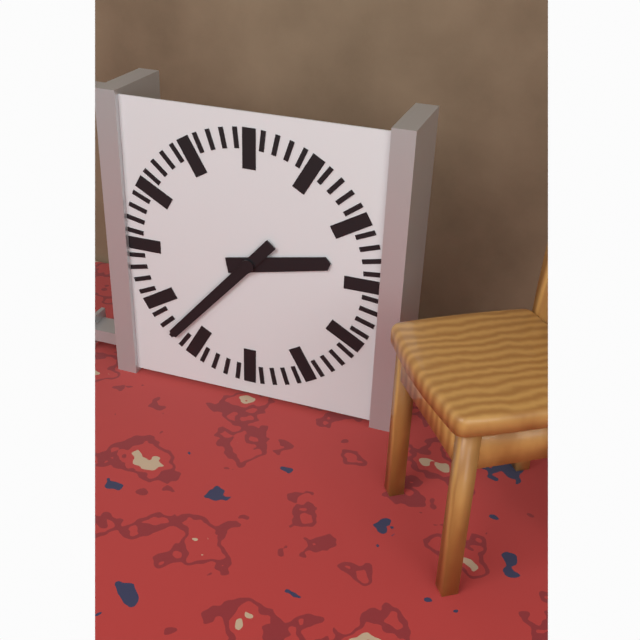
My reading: 2:37
